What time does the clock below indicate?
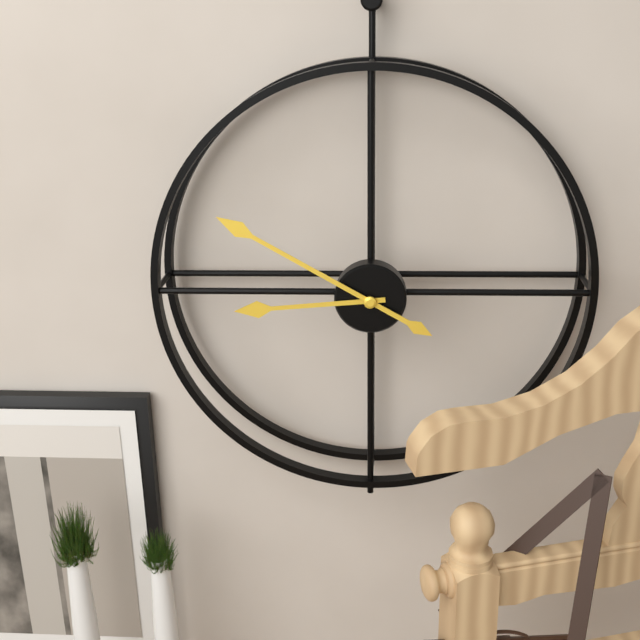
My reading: 8:50
